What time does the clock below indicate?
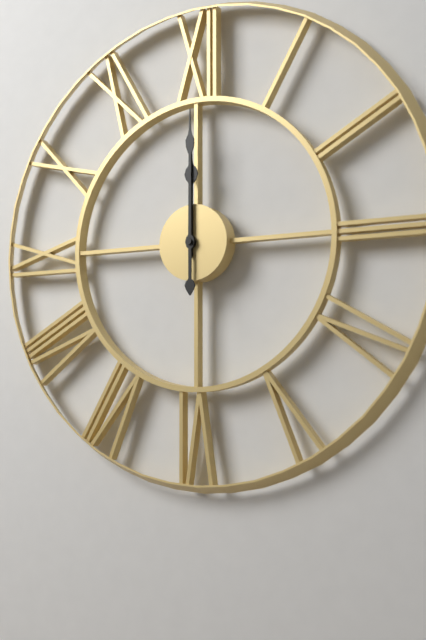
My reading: 12:00
